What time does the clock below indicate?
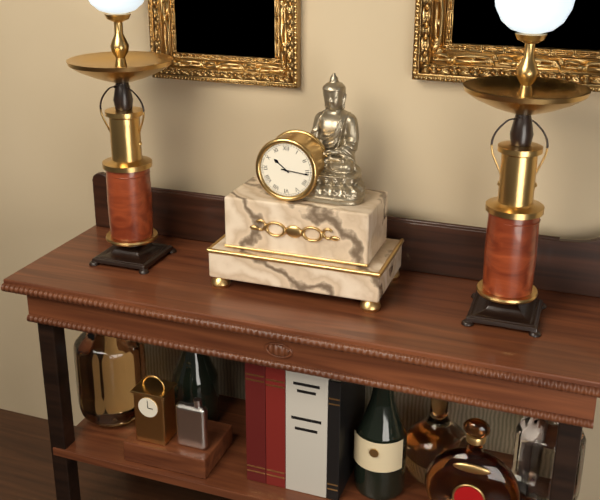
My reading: 10:16
